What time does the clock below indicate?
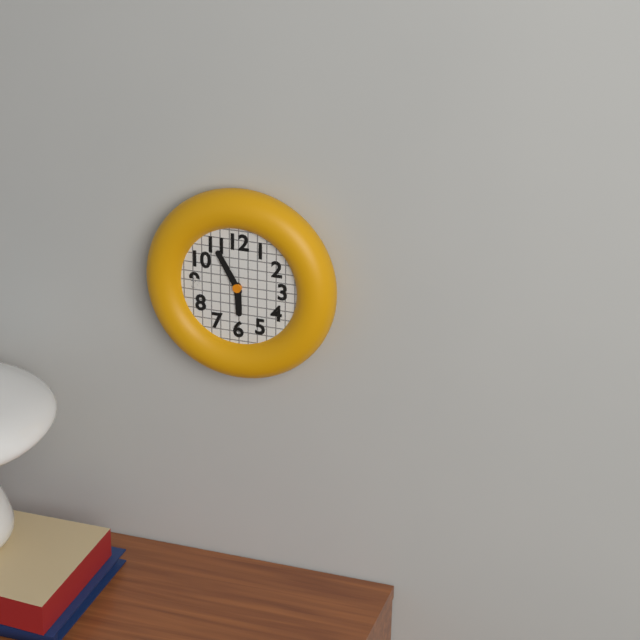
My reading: 5:55
